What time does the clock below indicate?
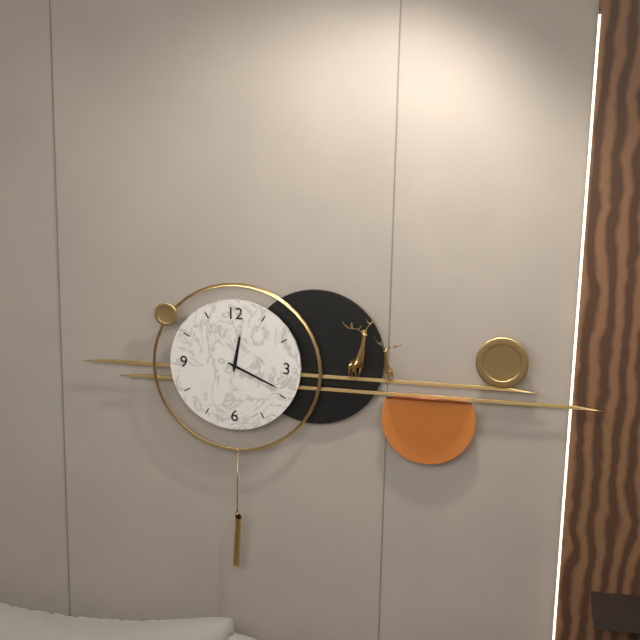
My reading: 12:19
